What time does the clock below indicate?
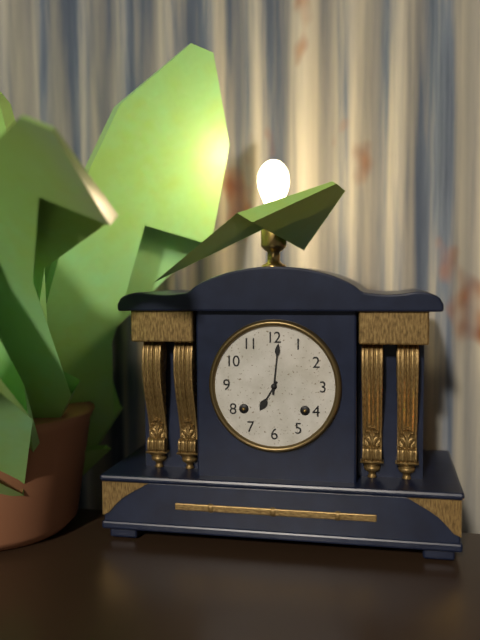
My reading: 7:01
